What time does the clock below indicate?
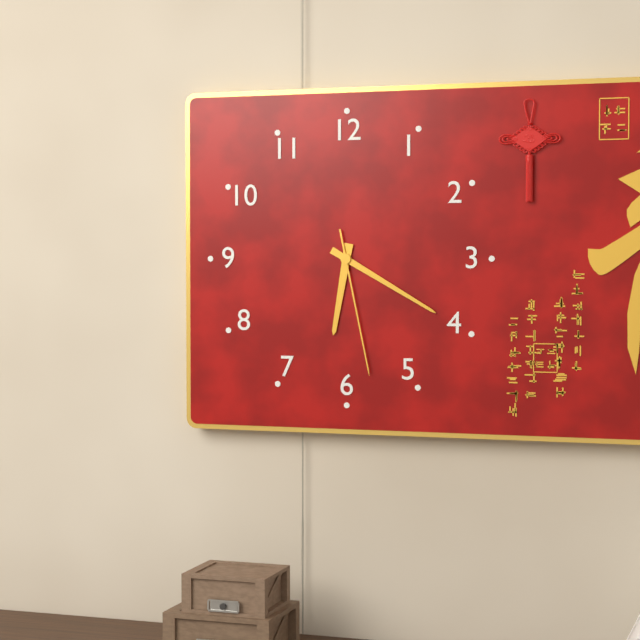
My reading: 6:20:28
